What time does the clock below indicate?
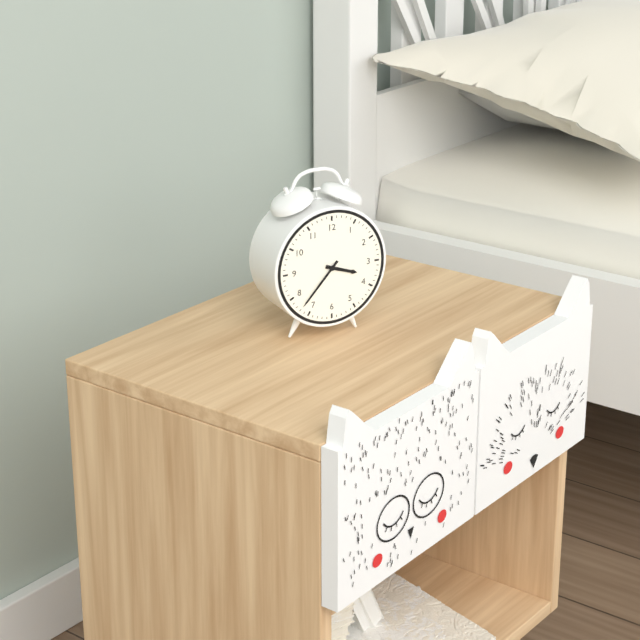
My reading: 3:37
